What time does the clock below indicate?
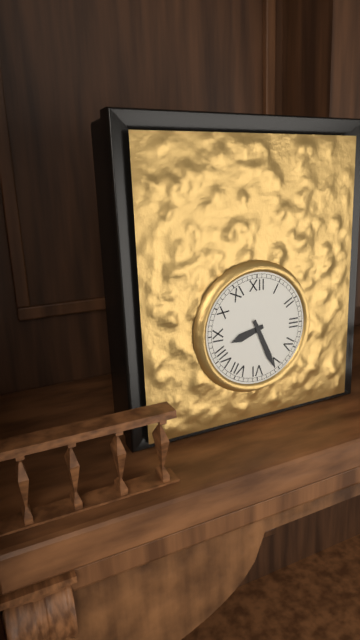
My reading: 8:26
